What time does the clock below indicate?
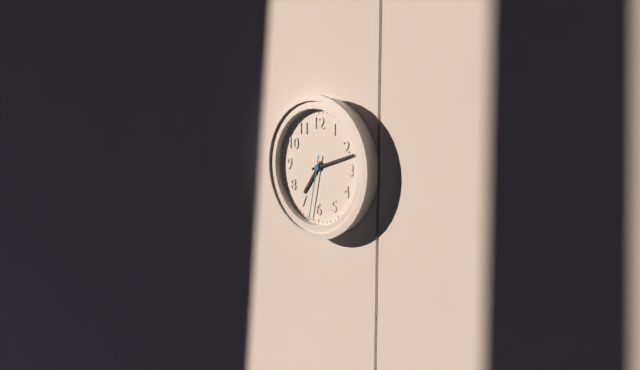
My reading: 7:12:32
